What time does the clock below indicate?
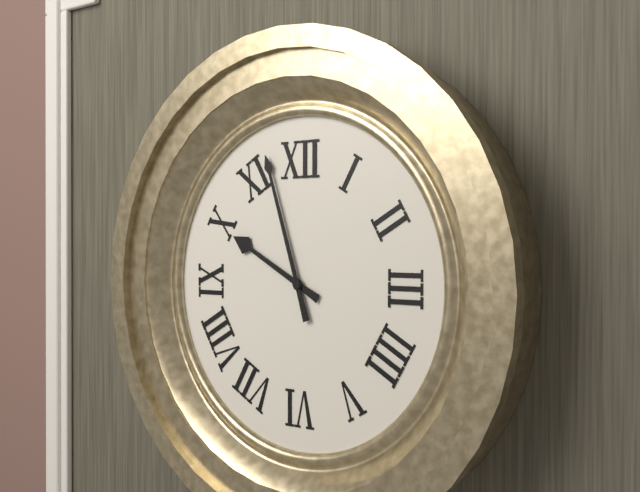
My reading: 9:57
